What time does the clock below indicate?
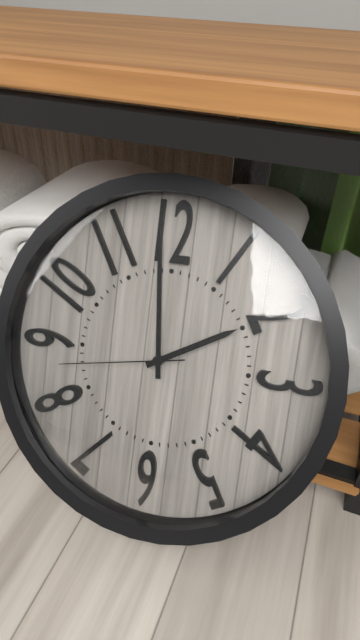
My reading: 1:59:43
